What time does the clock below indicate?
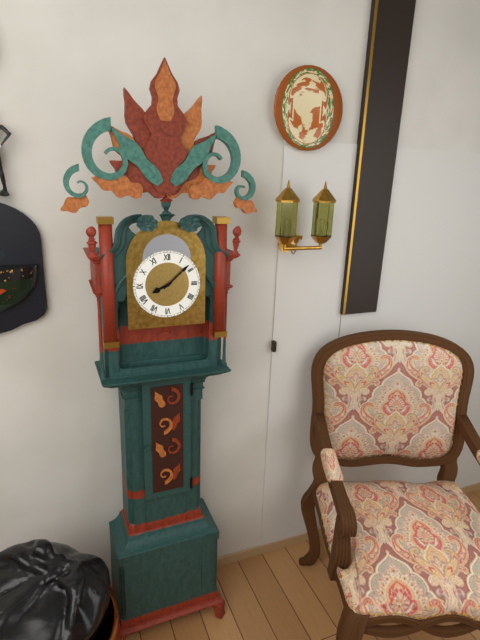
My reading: 8:08
